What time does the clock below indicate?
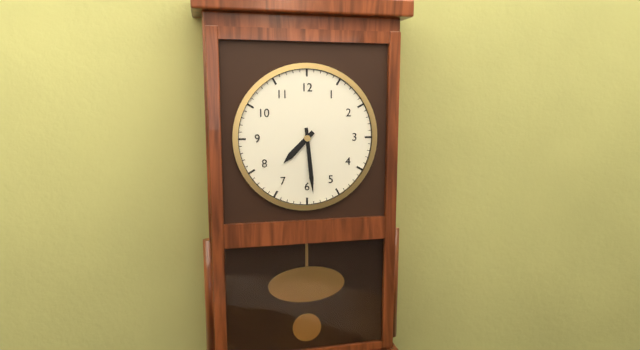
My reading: 7:29
